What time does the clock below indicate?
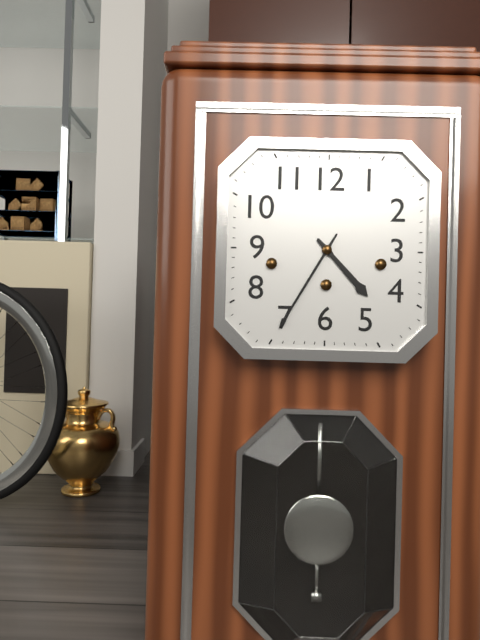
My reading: 4:35
